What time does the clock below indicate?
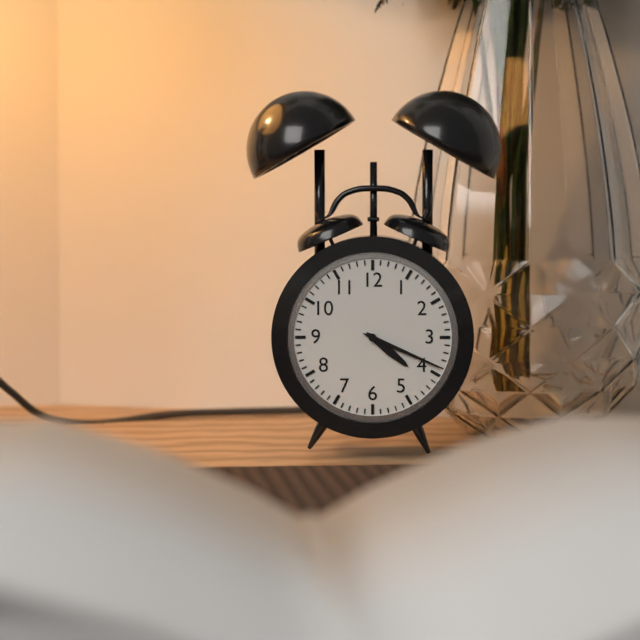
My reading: 4:19
